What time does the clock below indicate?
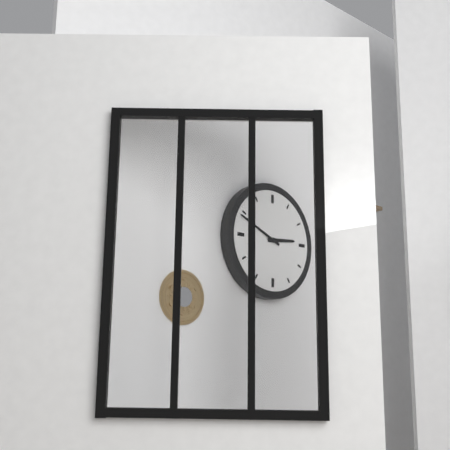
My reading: 2:49
